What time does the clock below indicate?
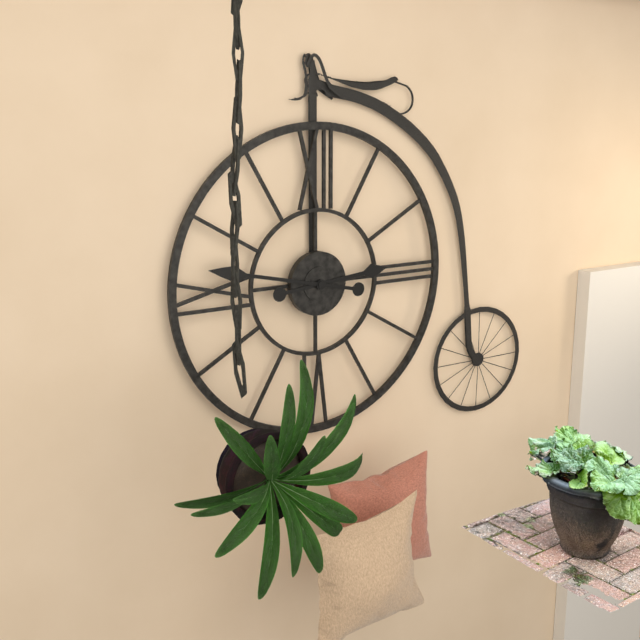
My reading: 2:47
